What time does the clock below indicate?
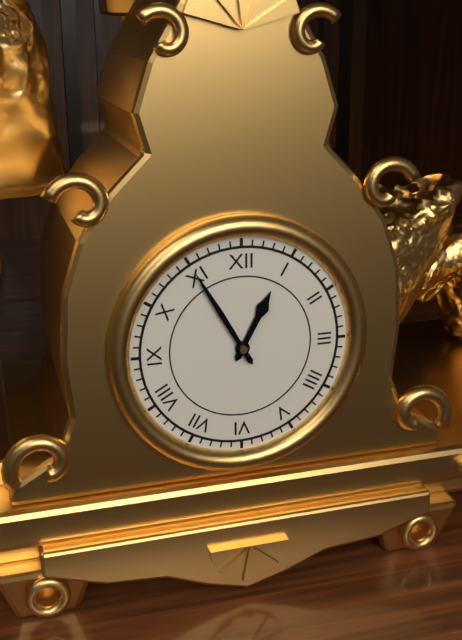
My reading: 12:55
